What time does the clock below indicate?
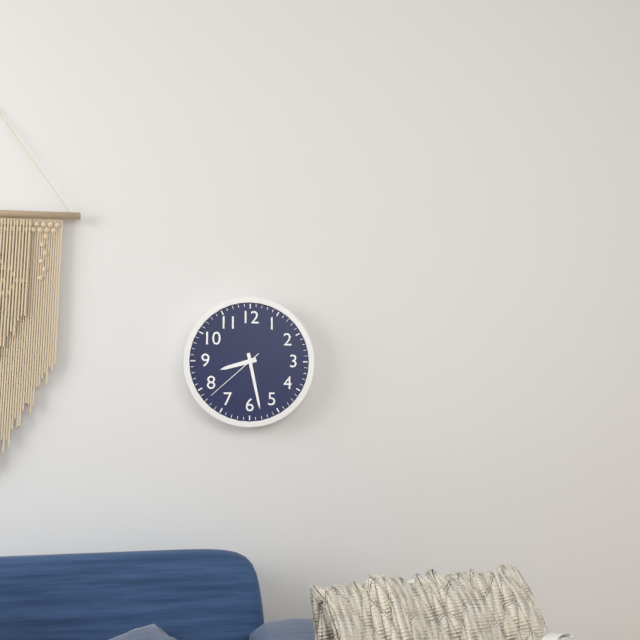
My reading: 8:28:38
